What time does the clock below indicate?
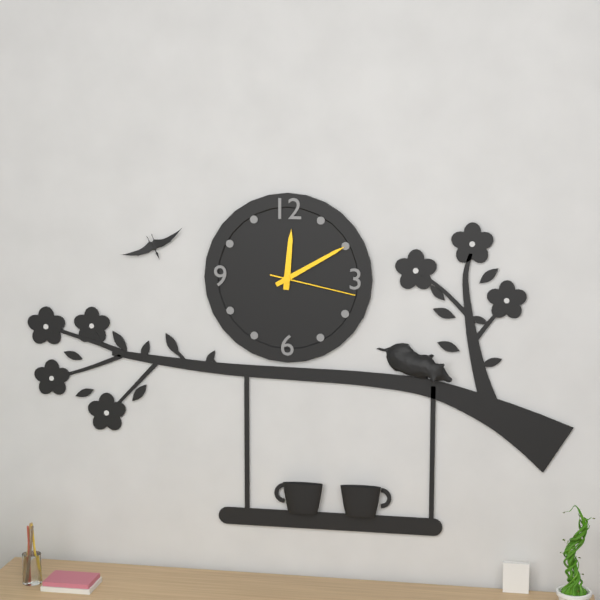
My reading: 12:10:17
